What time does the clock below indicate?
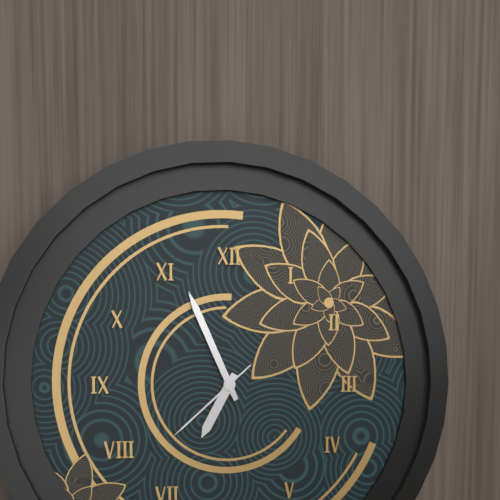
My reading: 6:56:38
